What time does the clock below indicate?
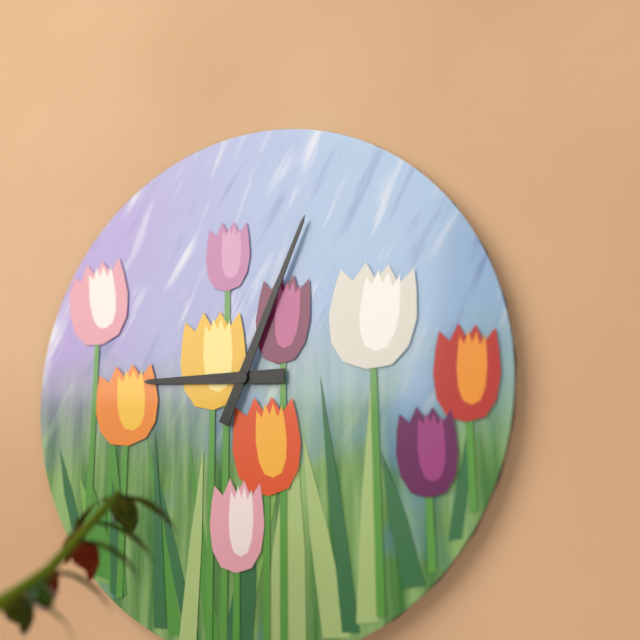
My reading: 9:04
